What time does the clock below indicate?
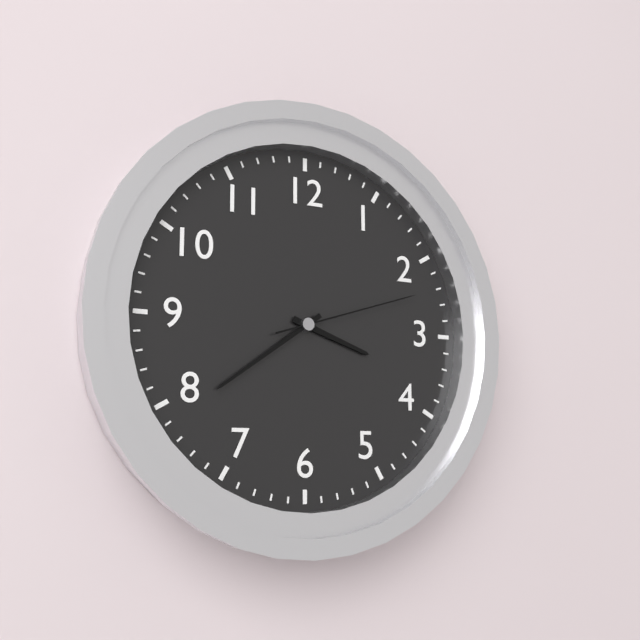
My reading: 3:39:12
